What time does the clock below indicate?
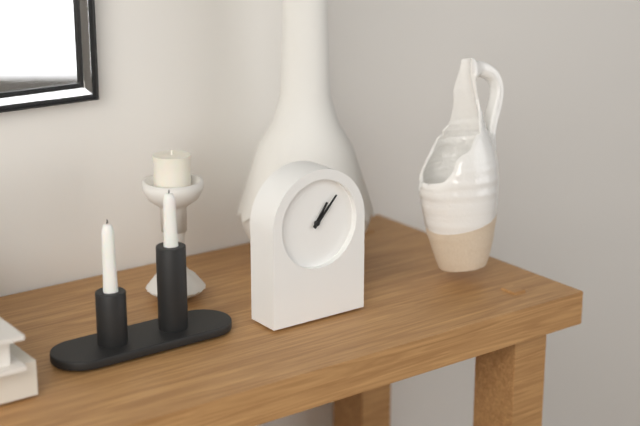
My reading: 1:07
